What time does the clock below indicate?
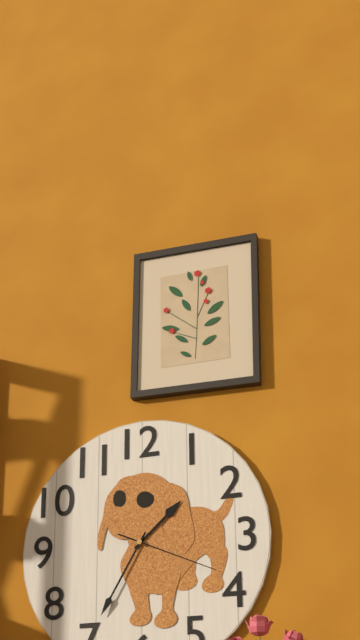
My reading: 1:35:19
